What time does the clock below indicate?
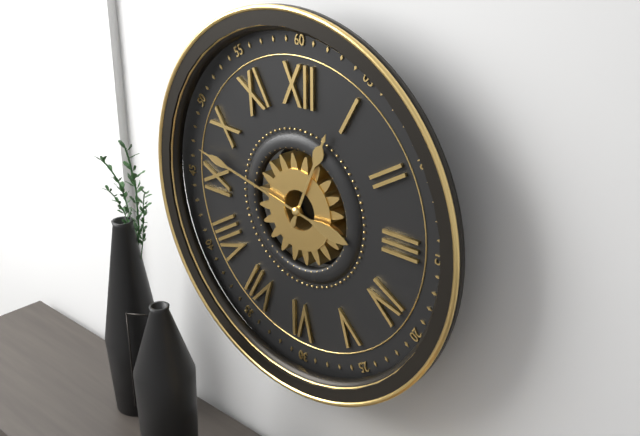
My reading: 12:47
